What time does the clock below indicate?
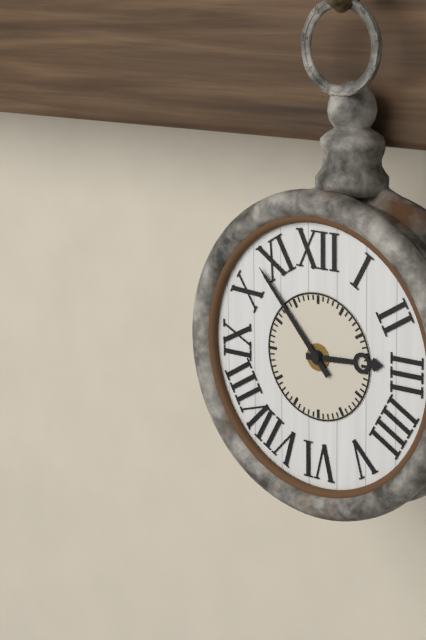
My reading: 2:53
